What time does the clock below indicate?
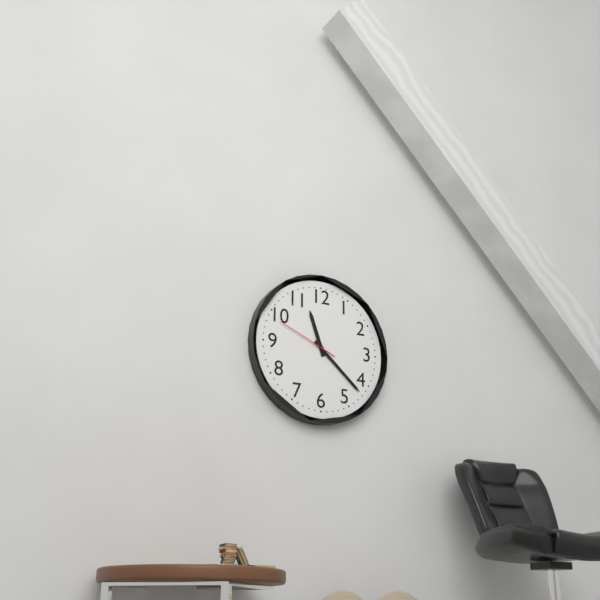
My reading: 11:22:49
